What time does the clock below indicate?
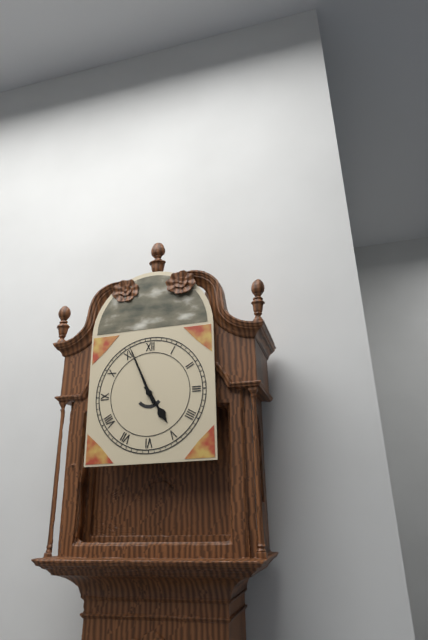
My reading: 4:56
